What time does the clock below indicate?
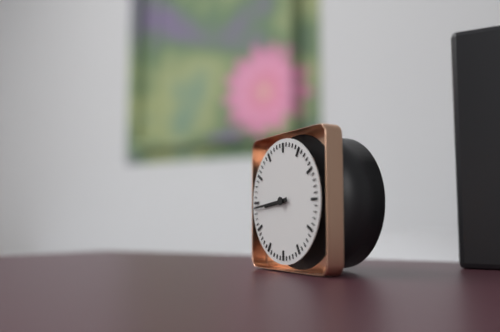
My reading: 8:44
